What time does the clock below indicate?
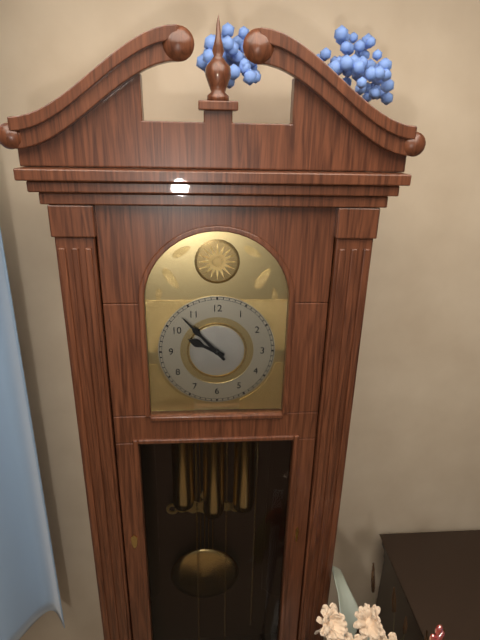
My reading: 9:53
